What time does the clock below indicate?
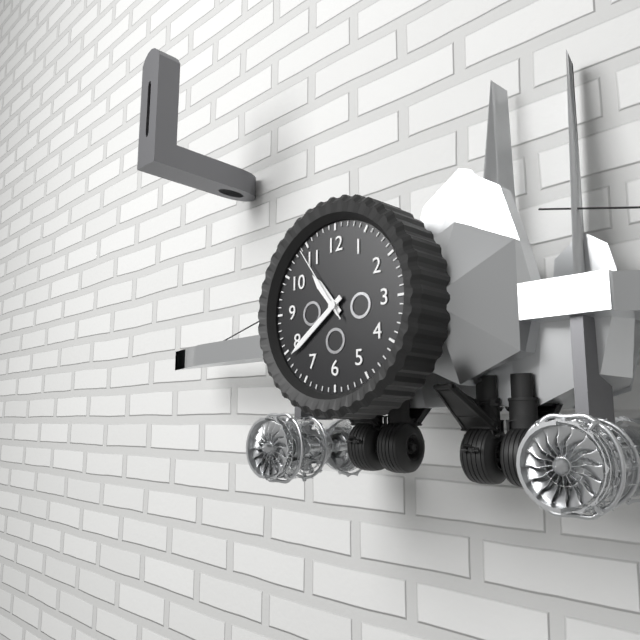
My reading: 10:39:54
